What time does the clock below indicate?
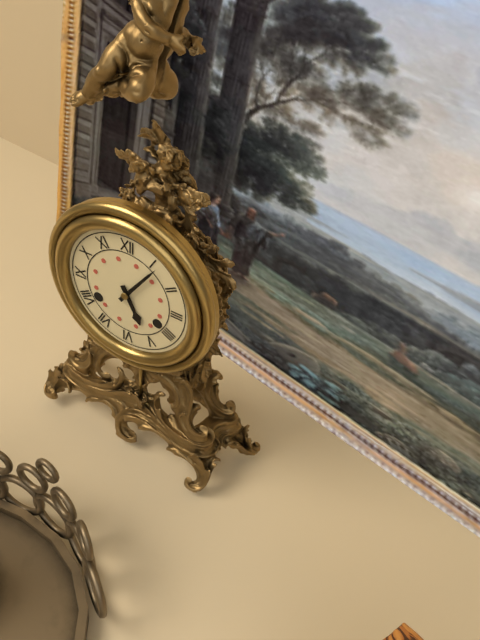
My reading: 5:06
